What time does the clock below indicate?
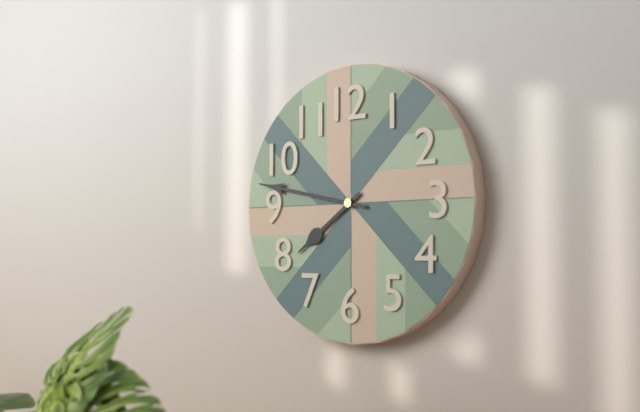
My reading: 7:47
